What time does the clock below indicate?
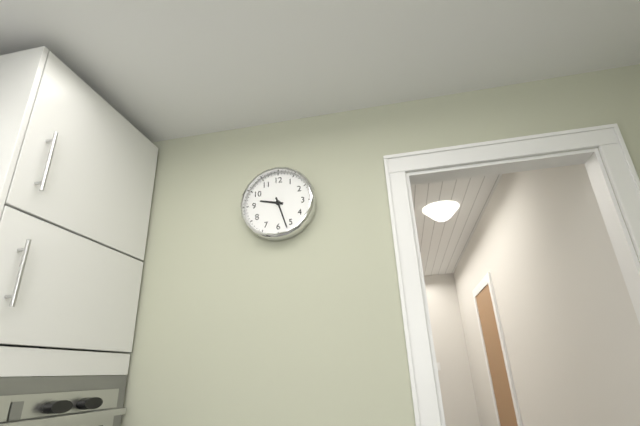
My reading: 9:27
